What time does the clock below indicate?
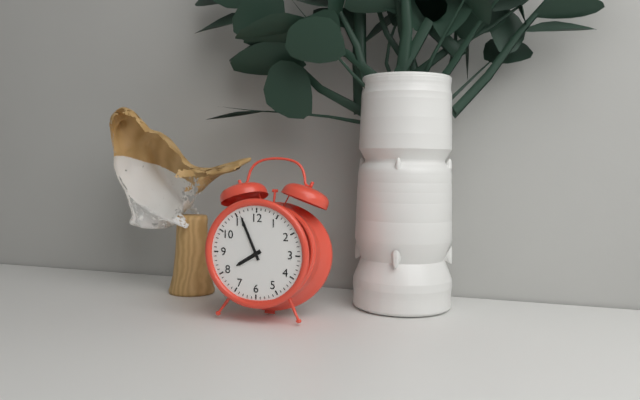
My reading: 7:56
